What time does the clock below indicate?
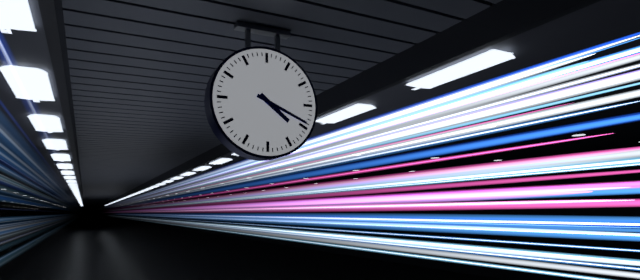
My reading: 4:19
